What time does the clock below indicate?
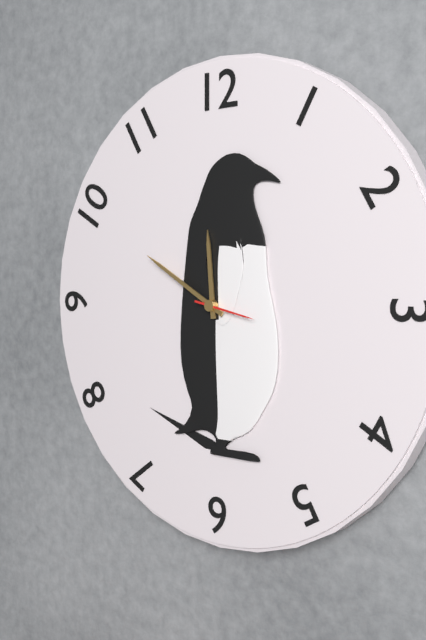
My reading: 11:50
